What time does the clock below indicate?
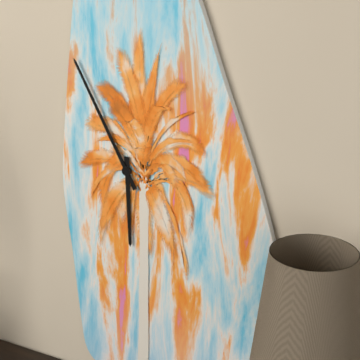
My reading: 5:55
